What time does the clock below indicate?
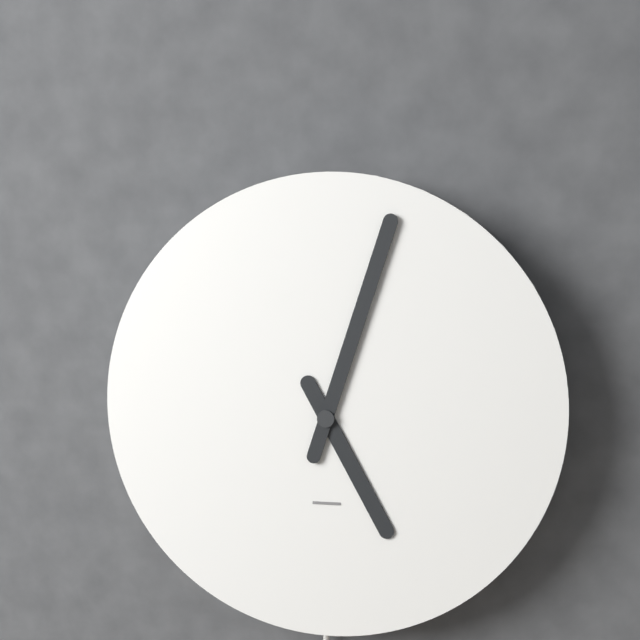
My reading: 5:03
